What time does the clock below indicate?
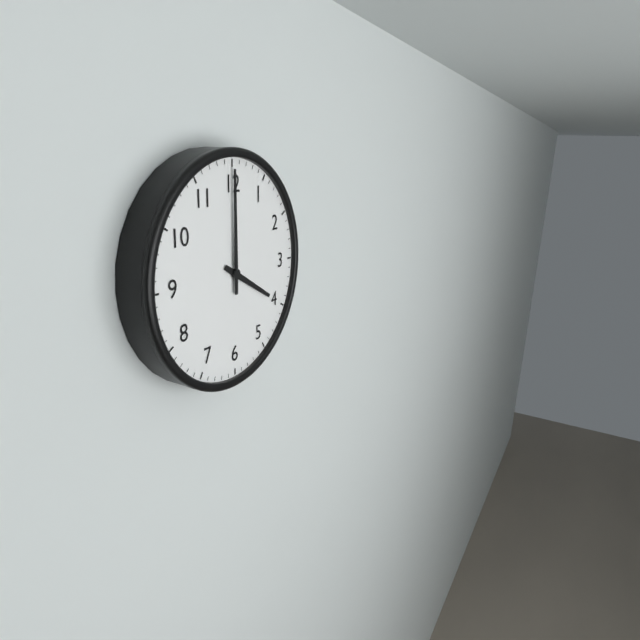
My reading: 4:00
